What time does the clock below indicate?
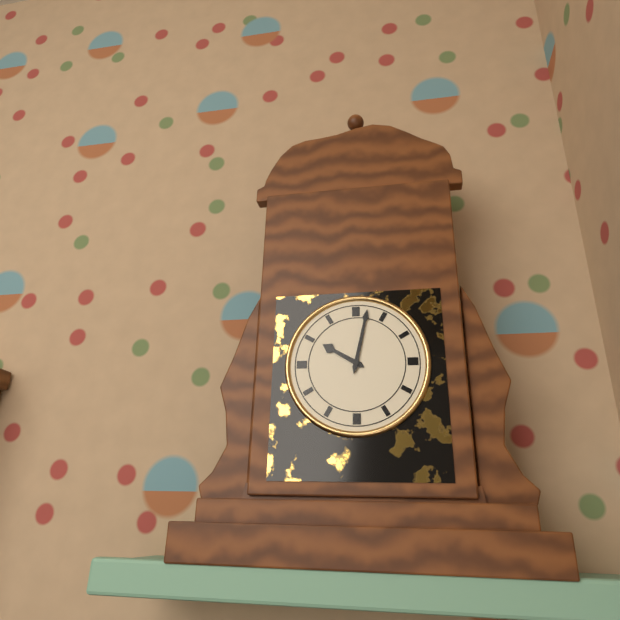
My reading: 10:02
